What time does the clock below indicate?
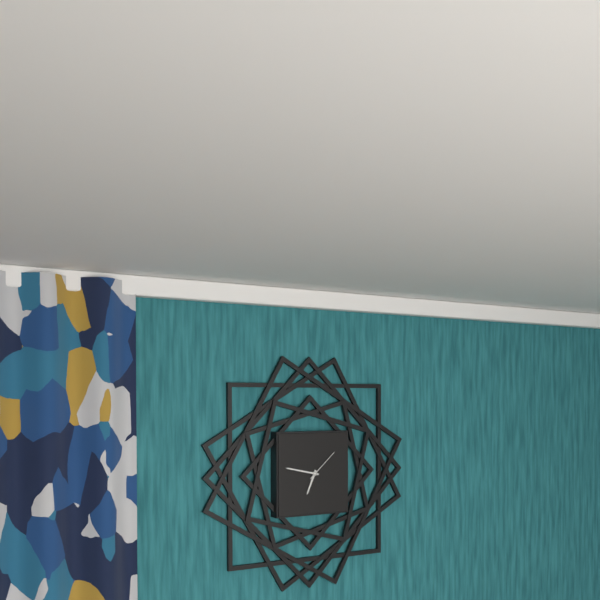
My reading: 6:47
